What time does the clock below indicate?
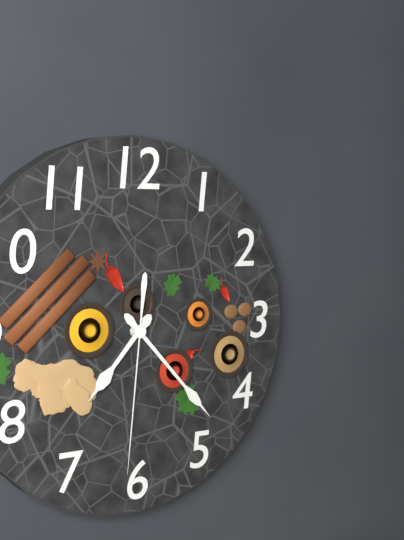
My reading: 7:23:31
